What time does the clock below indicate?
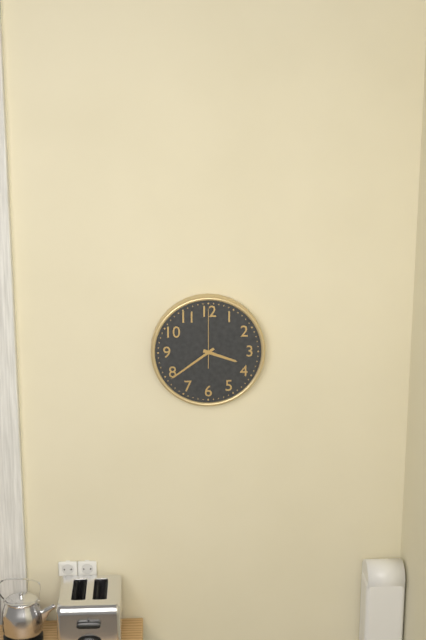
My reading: 3:39:00
